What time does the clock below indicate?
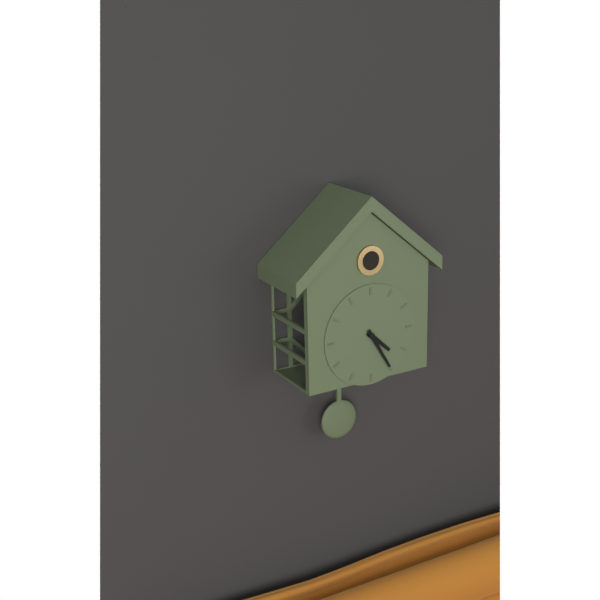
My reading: 4:25
